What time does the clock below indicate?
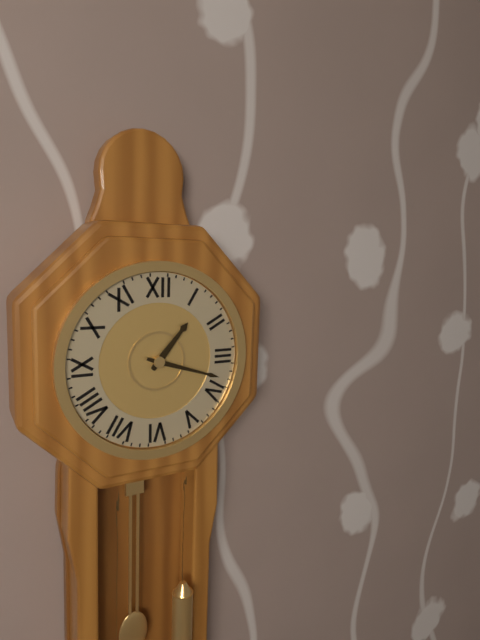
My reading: 1:18
